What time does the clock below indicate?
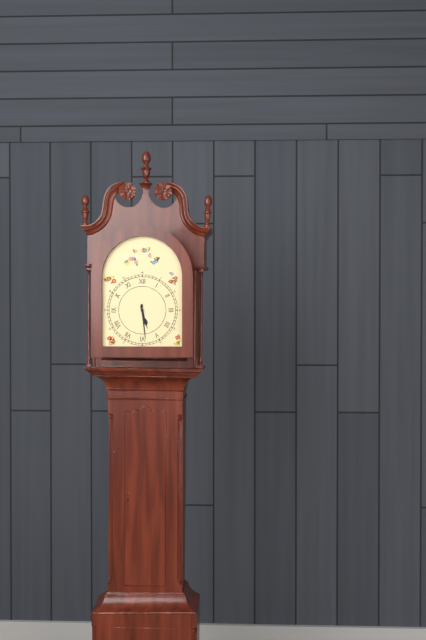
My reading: 5:29
